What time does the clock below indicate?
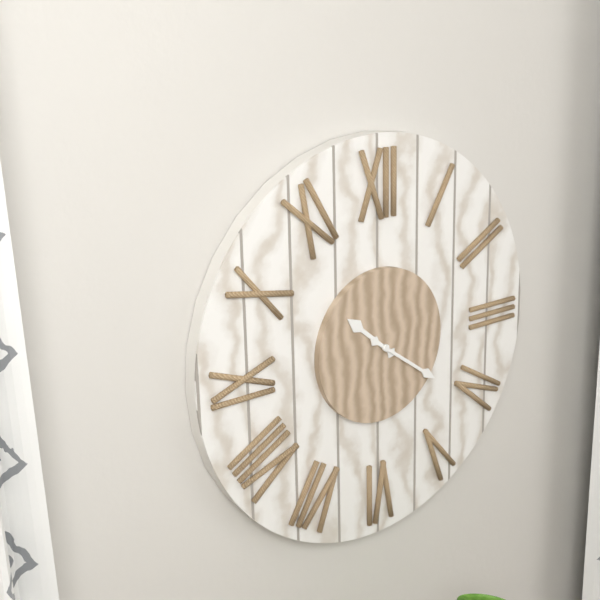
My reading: 10:21
